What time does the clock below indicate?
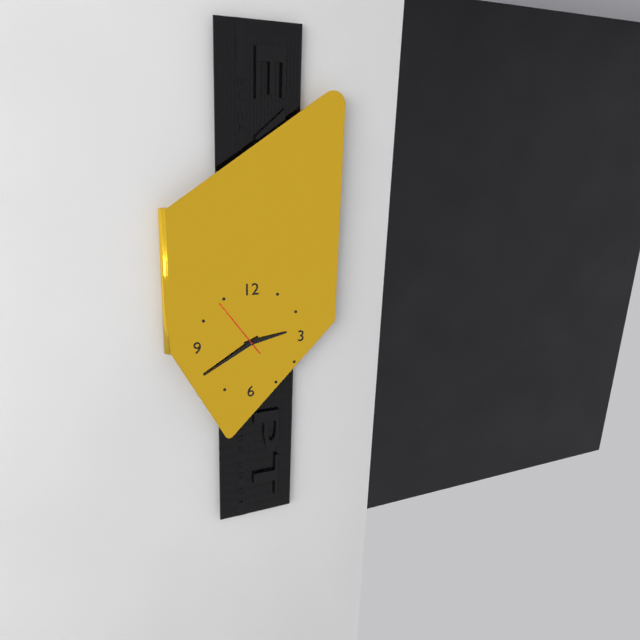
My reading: 2:40:54
